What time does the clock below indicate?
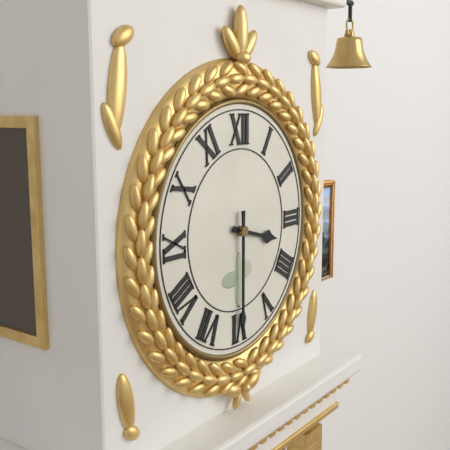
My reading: 3:30
